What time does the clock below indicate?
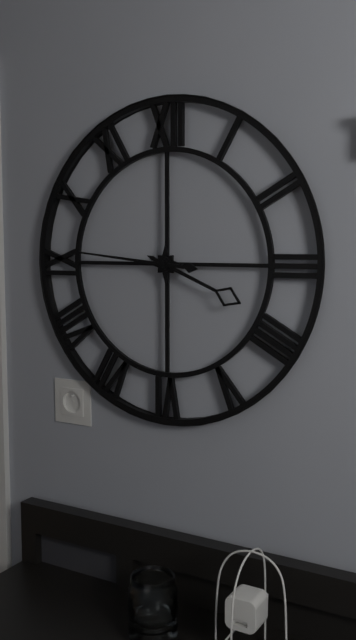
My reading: 3:46
